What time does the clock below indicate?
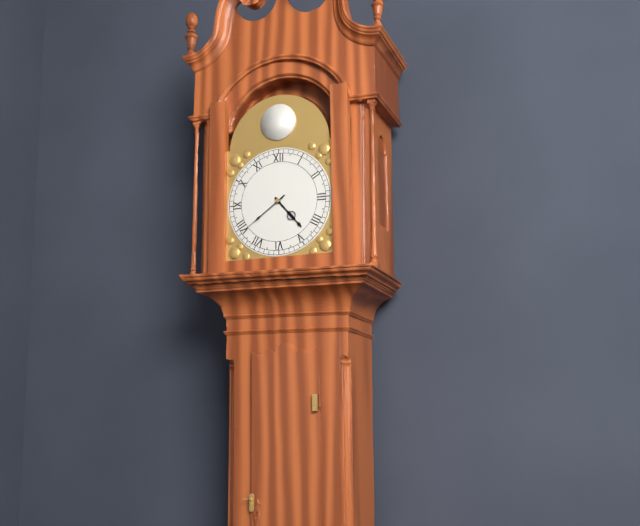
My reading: 4:39
